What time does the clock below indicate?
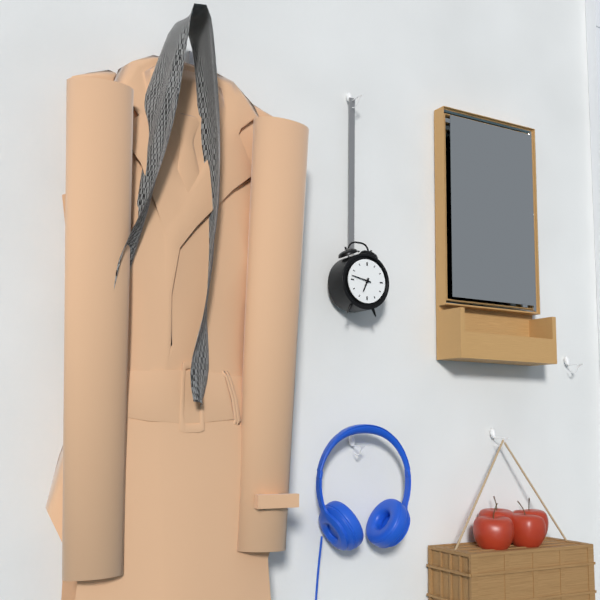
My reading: 6:47
